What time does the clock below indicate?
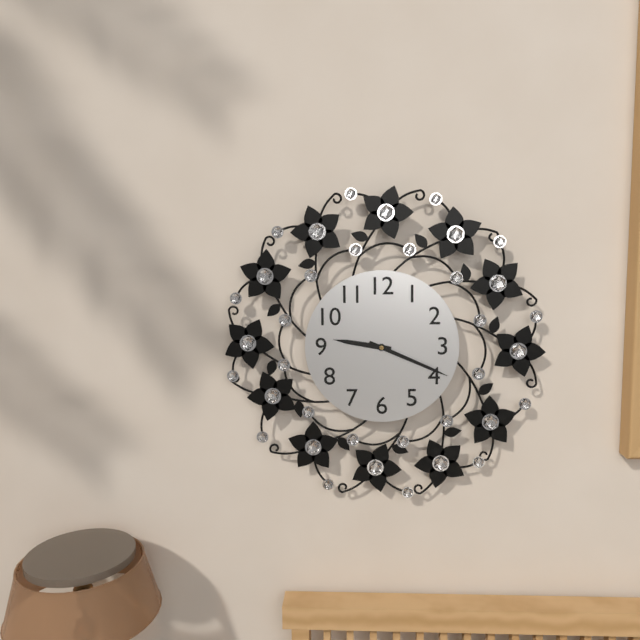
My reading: 9:19
